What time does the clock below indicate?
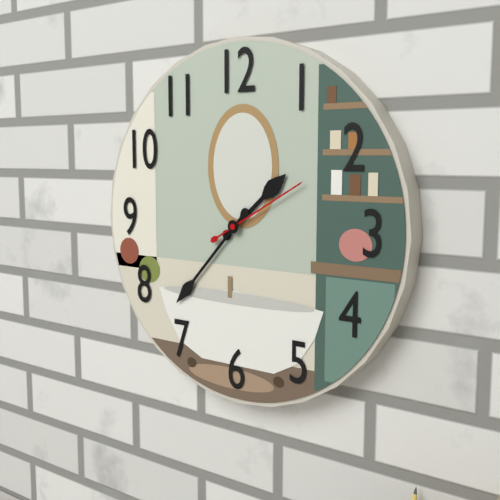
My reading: 1:37:10
